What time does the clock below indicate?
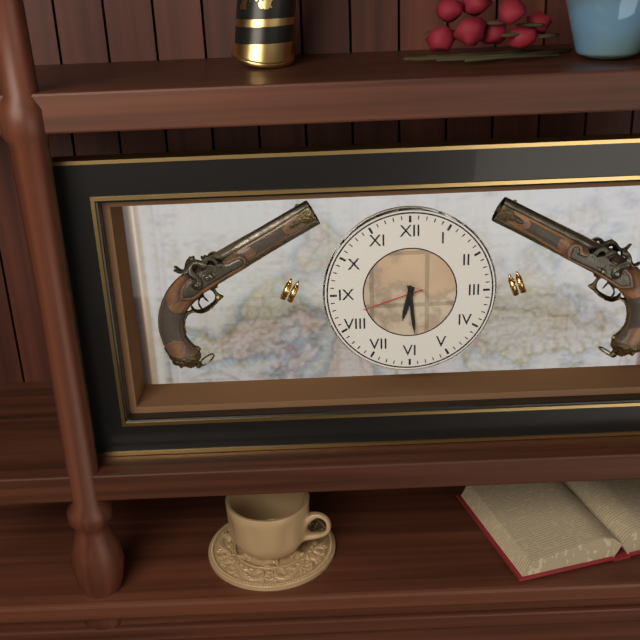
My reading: 6:29:42
